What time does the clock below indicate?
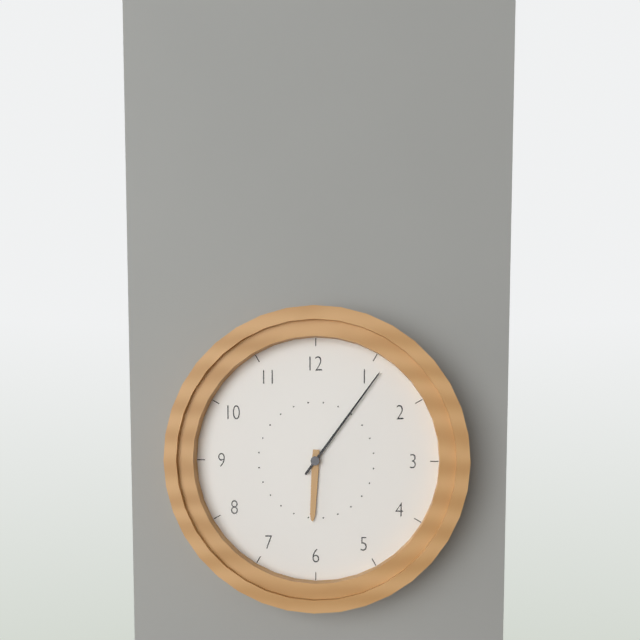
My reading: 6:06
